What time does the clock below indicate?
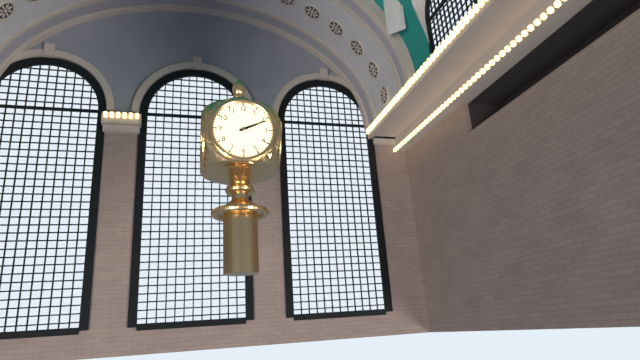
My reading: 2:11
